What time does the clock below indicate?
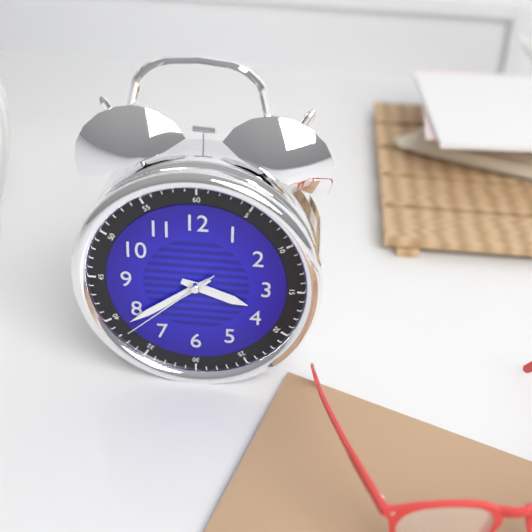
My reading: 3:39:38
